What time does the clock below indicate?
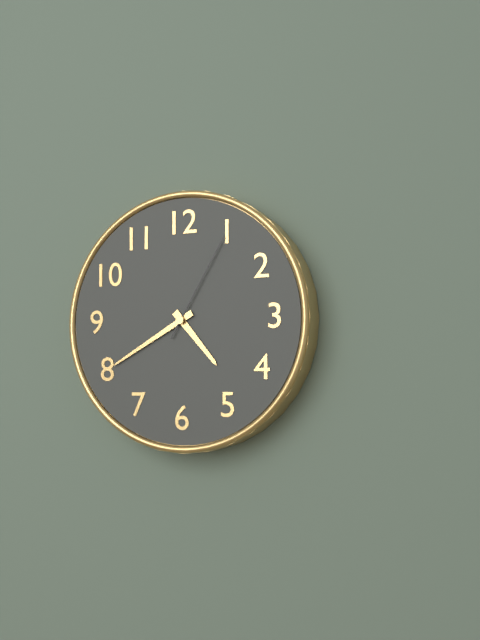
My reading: 4:40:05
